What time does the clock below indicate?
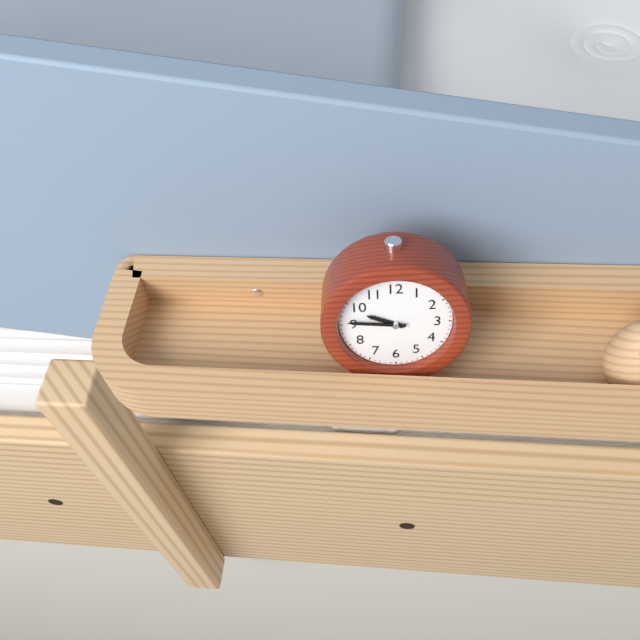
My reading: 9:46
